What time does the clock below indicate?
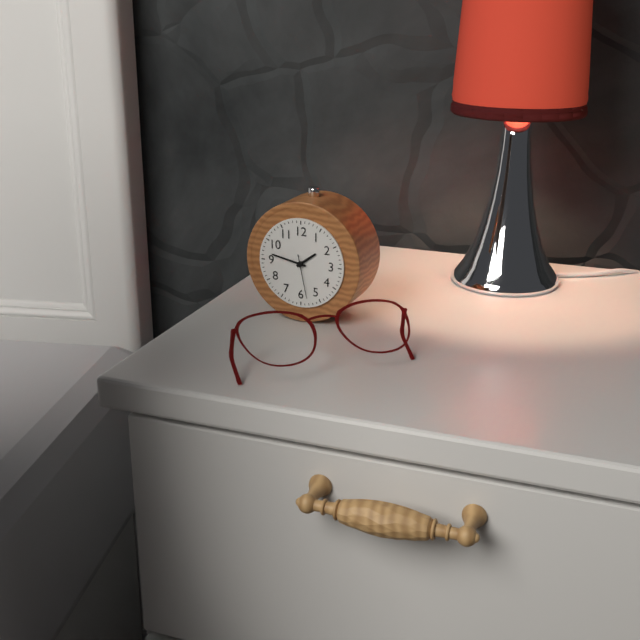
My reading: 1:47
